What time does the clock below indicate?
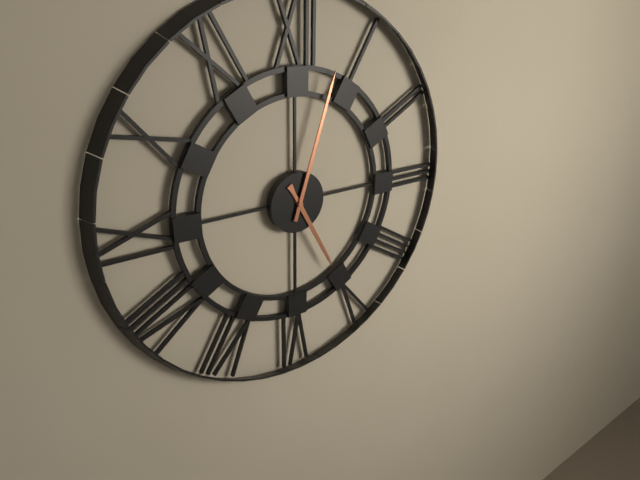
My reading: 5:03
